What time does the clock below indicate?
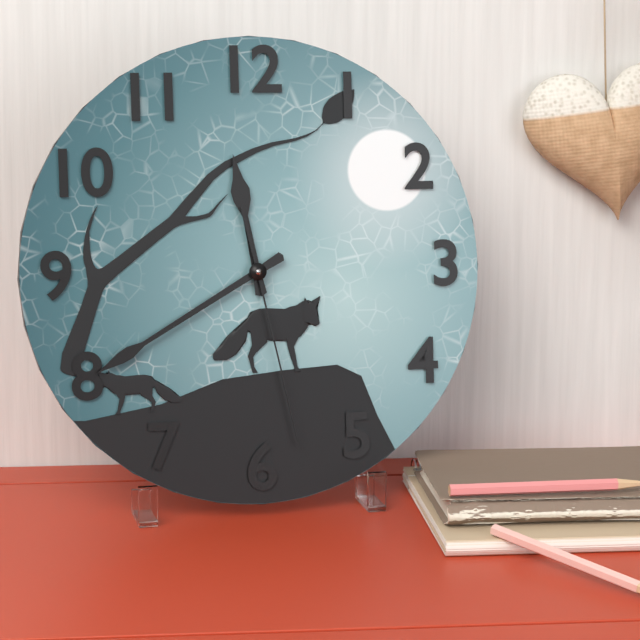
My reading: 11:40:28
